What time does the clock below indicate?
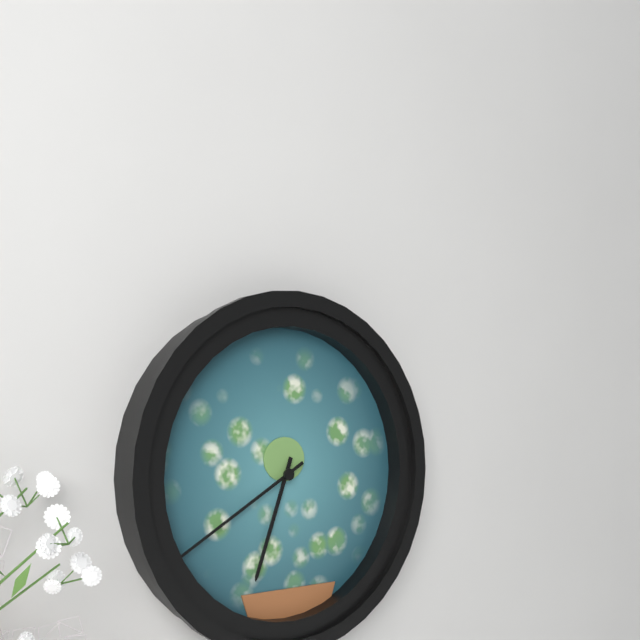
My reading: 6:40
